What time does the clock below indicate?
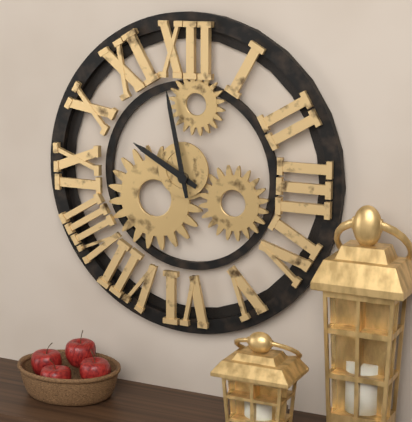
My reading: 9:58
